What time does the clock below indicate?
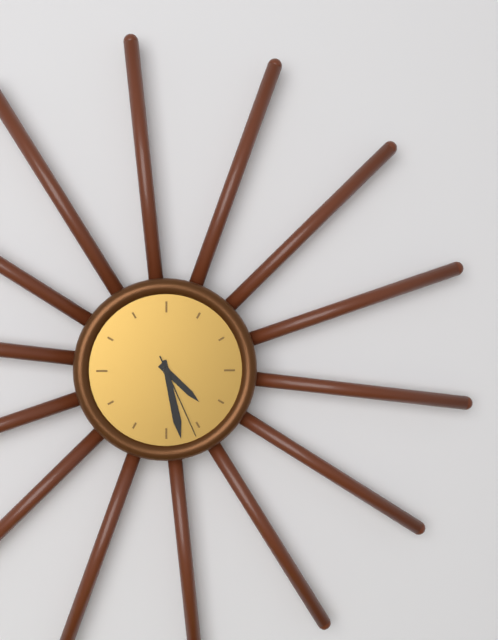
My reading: 4:28:26
